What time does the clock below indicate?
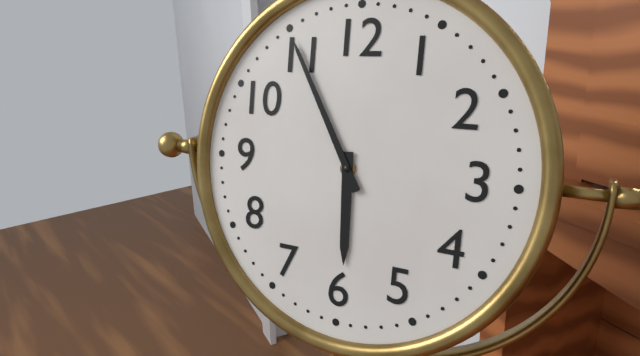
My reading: 5:55
